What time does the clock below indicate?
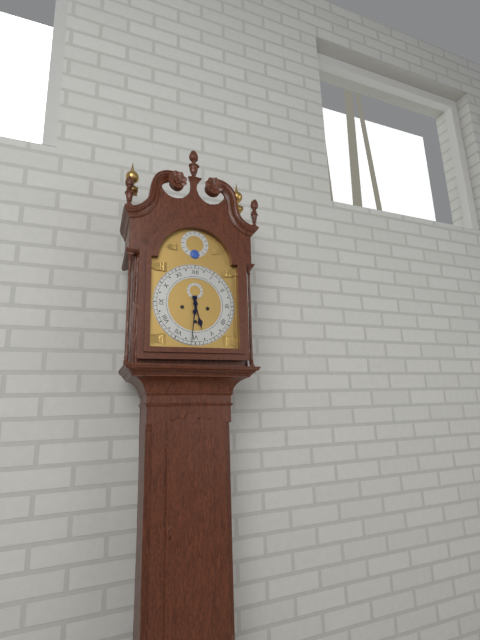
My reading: 5:31
